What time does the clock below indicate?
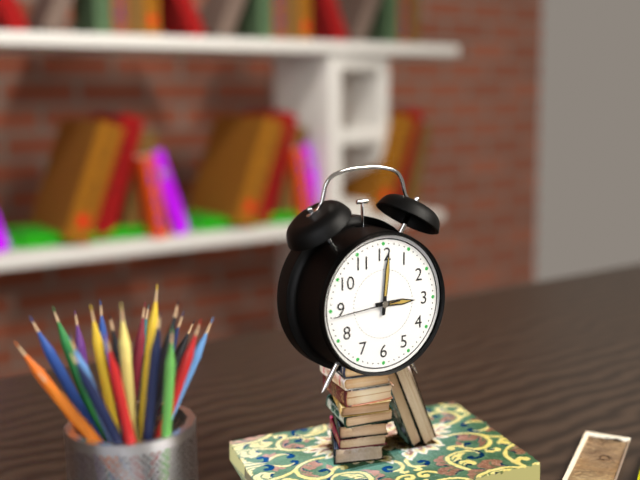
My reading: 3:01:44
